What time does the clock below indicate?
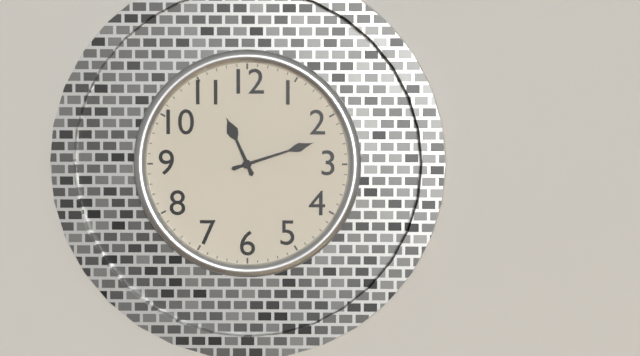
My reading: 11:12
